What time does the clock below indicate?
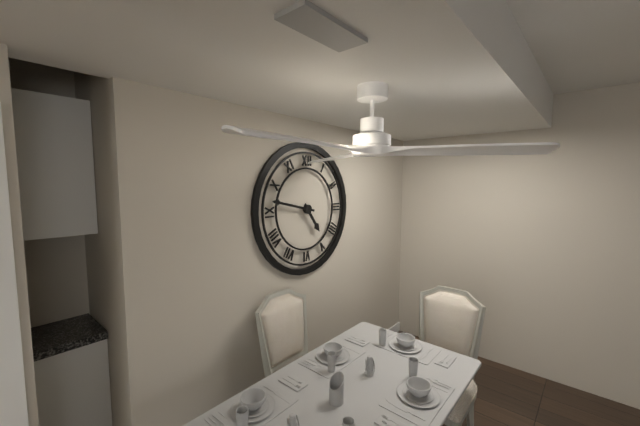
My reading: 4:47
